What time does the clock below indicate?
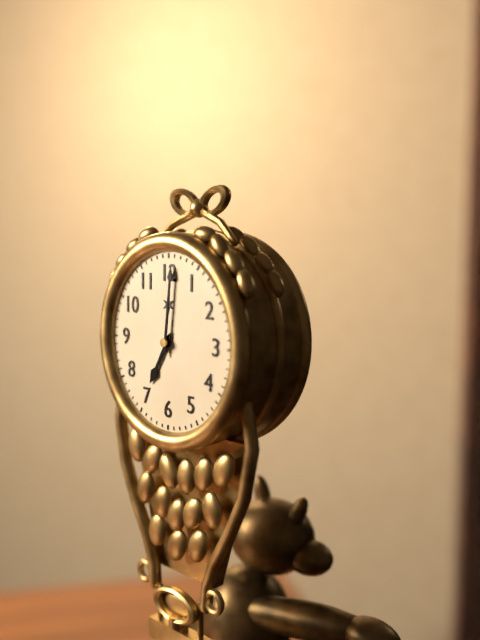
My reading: 7:01
